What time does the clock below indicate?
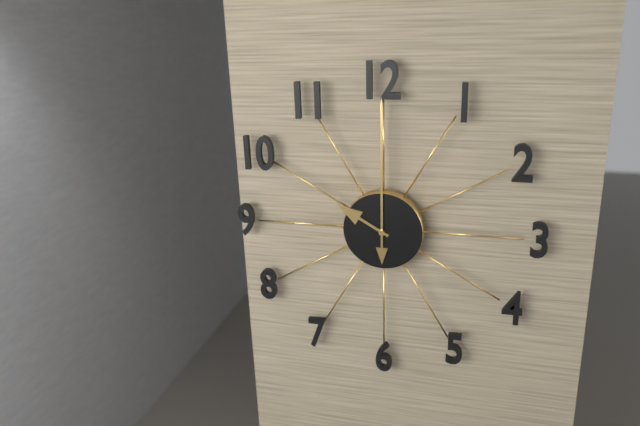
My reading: 10:00
